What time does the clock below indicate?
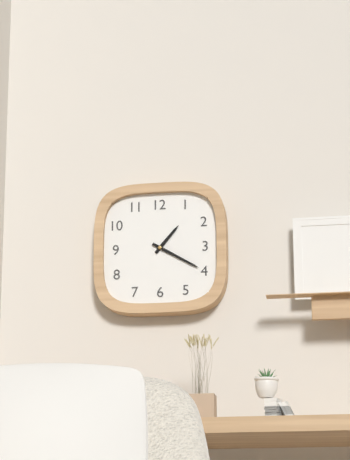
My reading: 1:20
